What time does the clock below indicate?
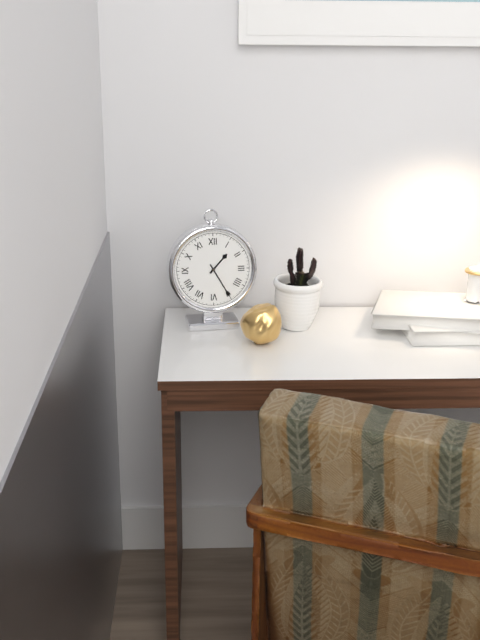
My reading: 1:25
